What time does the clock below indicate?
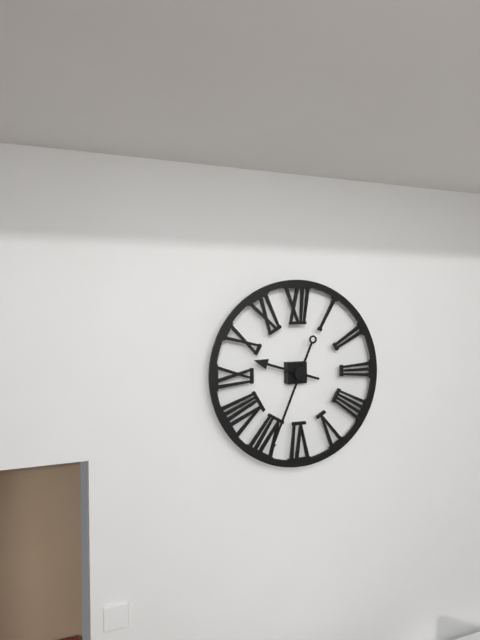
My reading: 9:34
